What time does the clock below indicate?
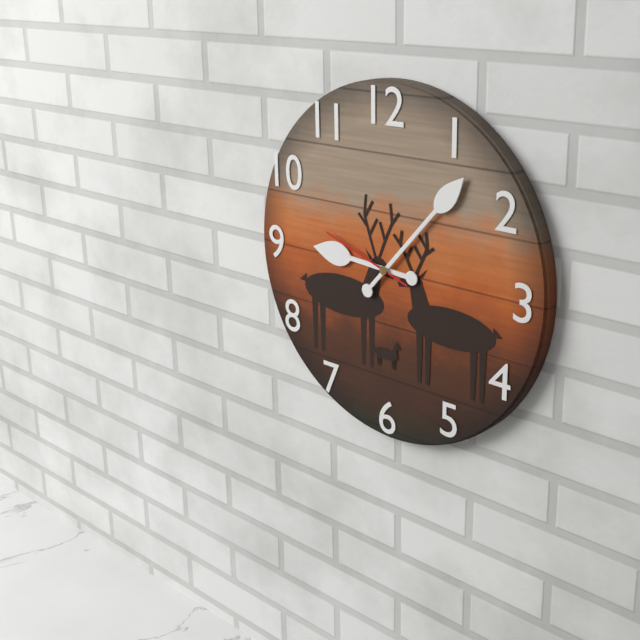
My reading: 9:07:48
